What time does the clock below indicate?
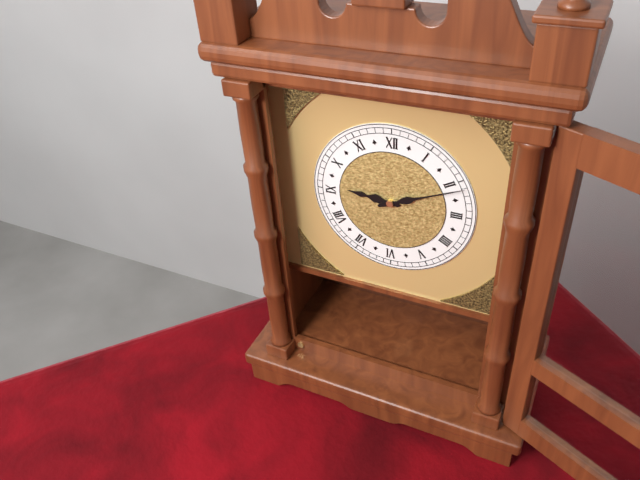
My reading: 9:11
